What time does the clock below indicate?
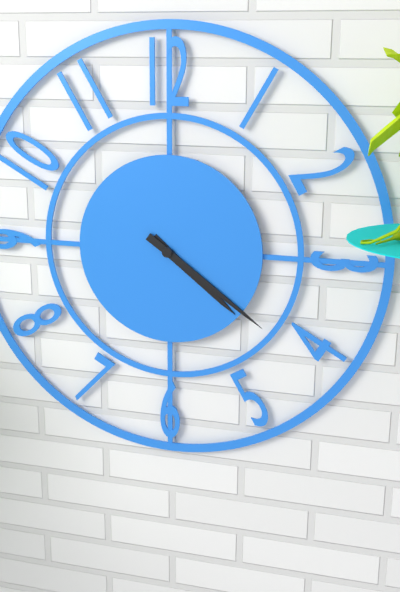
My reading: 4:21
